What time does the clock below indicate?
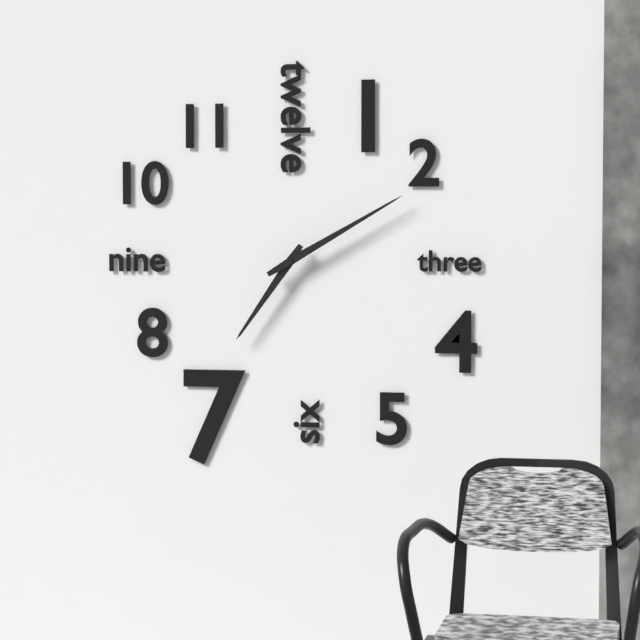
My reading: 7:10
